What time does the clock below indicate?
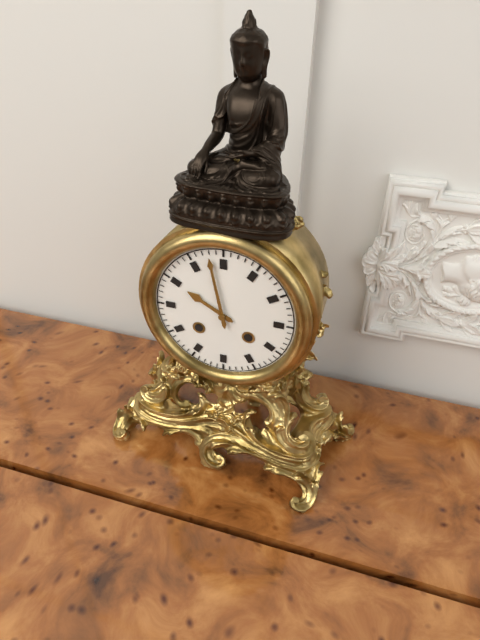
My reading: 9:58
